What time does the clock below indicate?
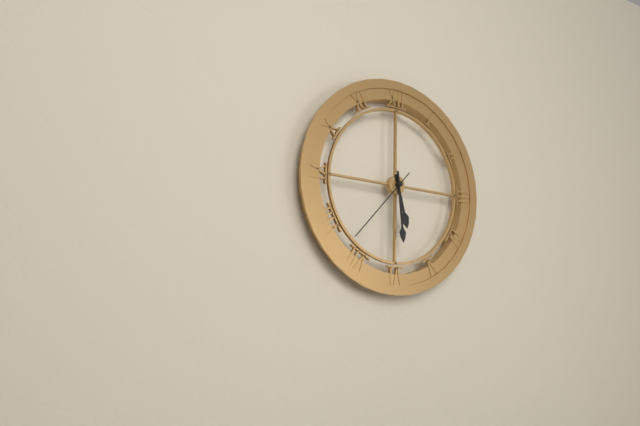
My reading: 5:29:37
